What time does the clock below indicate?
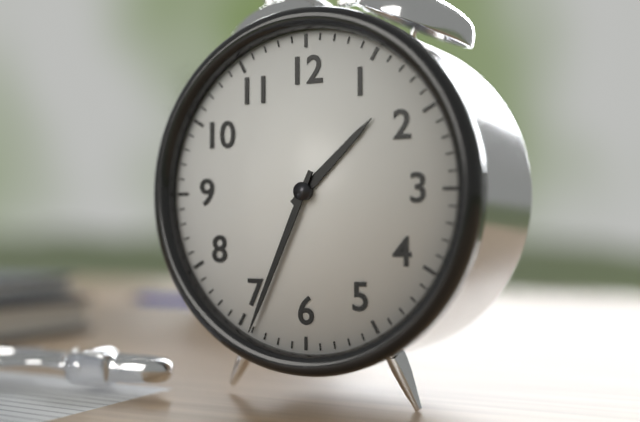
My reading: 1:34
